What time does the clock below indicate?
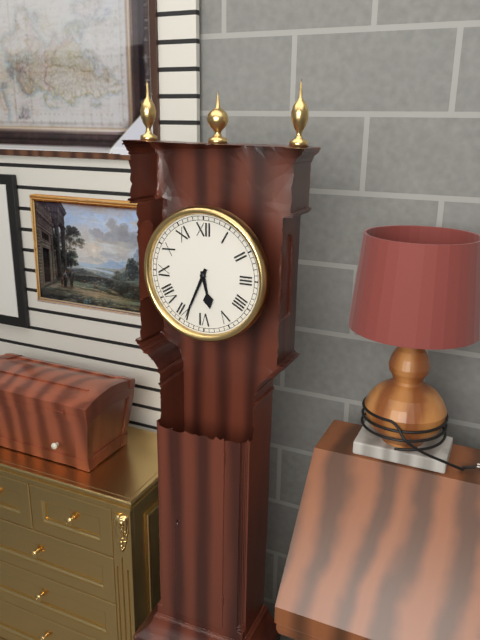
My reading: 5:34
